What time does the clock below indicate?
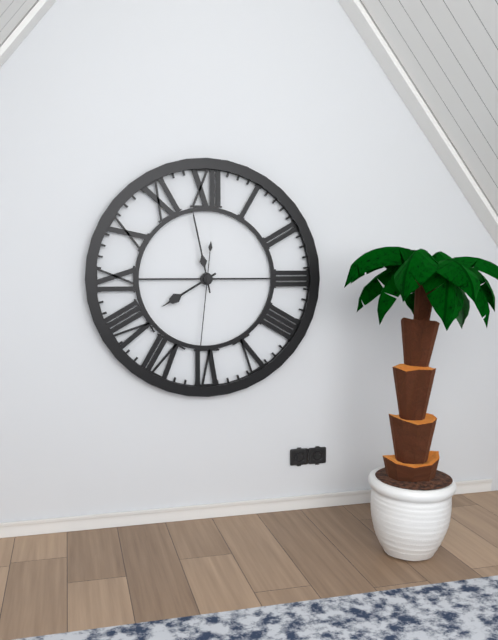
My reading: 7:58:31
